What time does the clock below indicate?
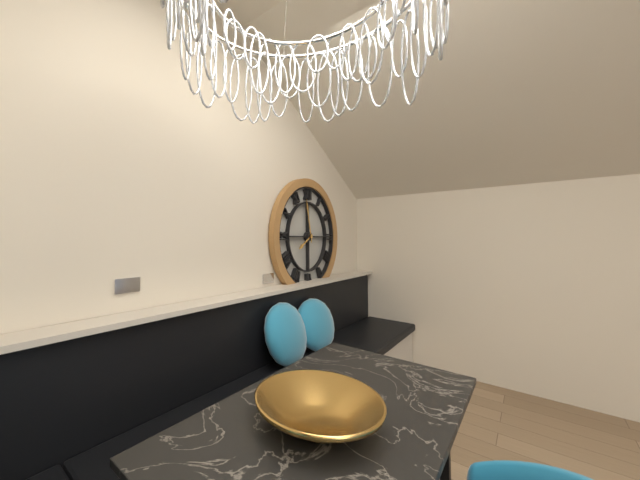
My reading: 7:58
